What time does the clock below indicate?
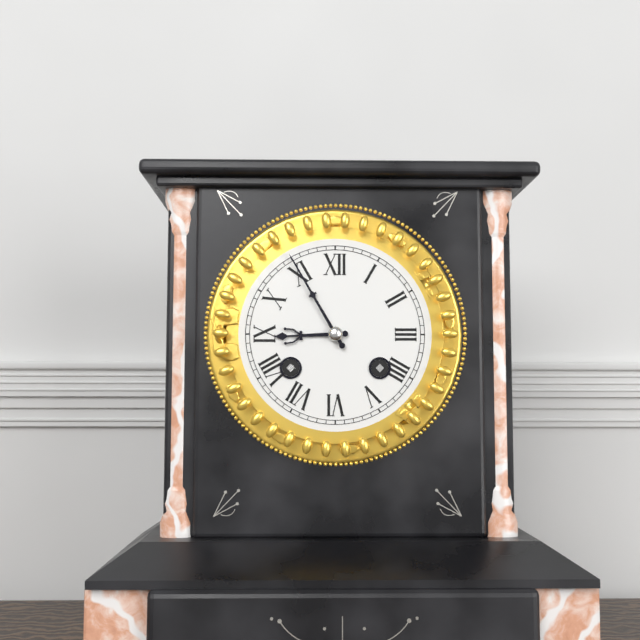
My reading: 8:55
